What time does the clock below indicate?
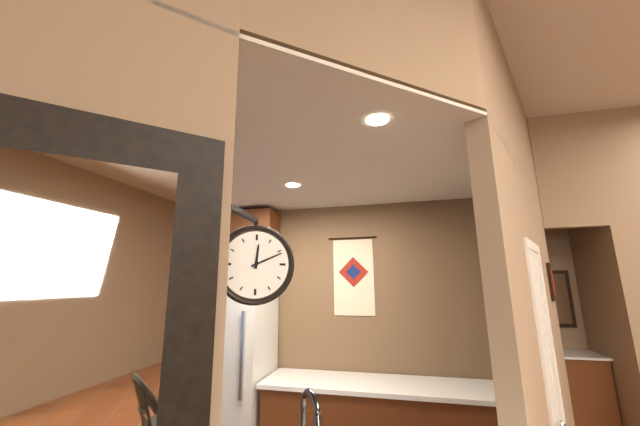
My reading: 12:11
